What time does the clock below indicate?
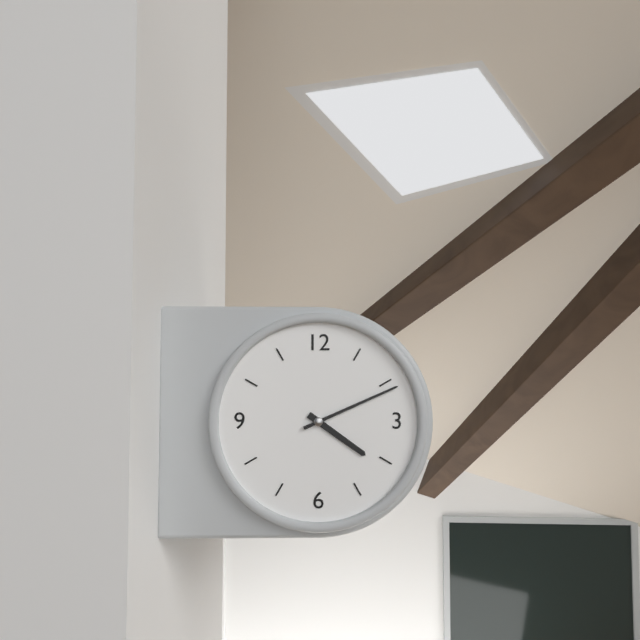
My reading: 4:11
